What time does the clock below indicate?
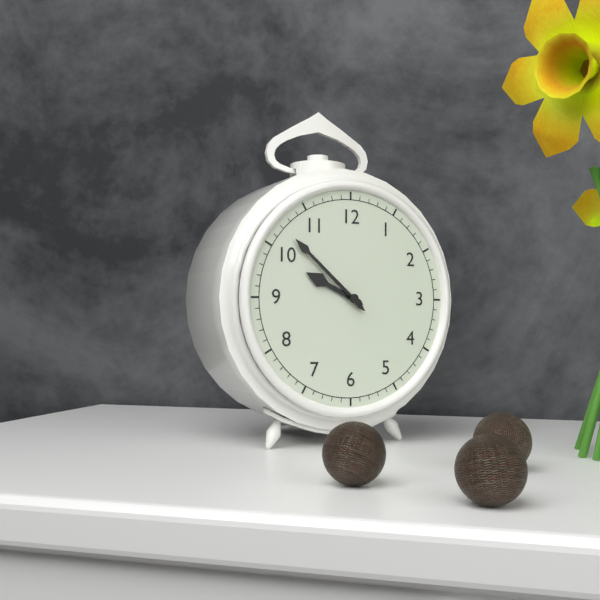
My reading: 9:52
